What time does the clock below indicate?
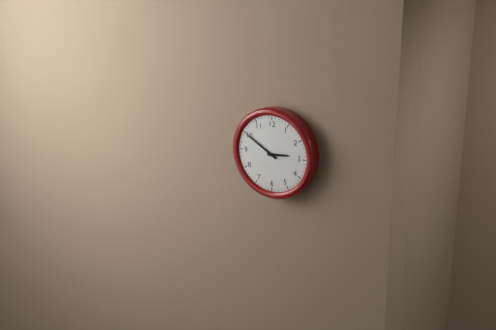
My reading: 2:50
